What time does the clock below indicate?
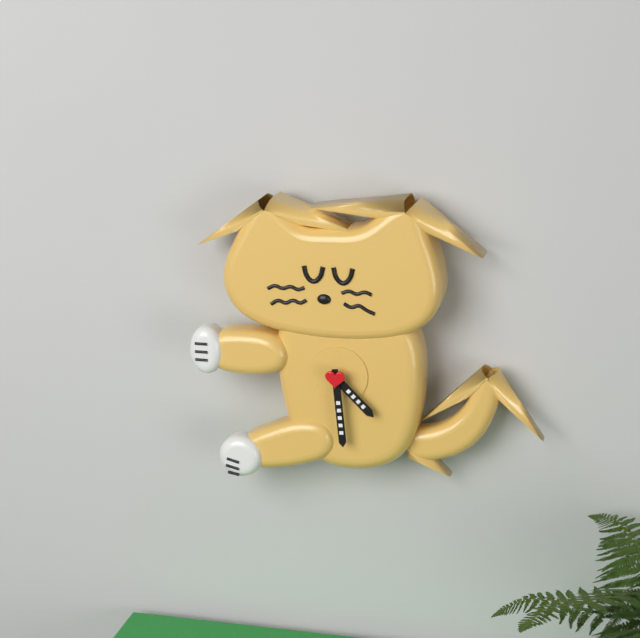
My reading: 4:29
